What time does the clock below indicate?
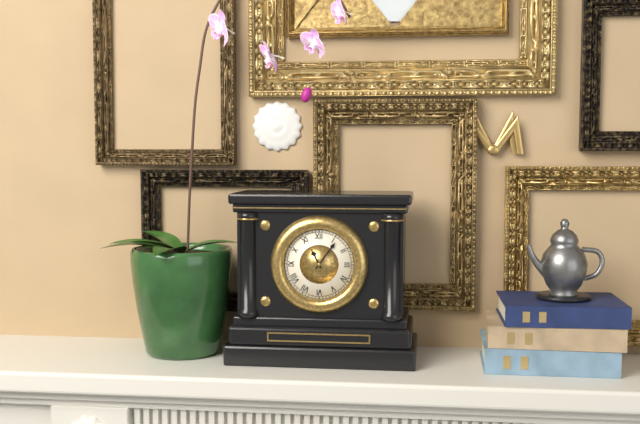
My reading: 11:06
